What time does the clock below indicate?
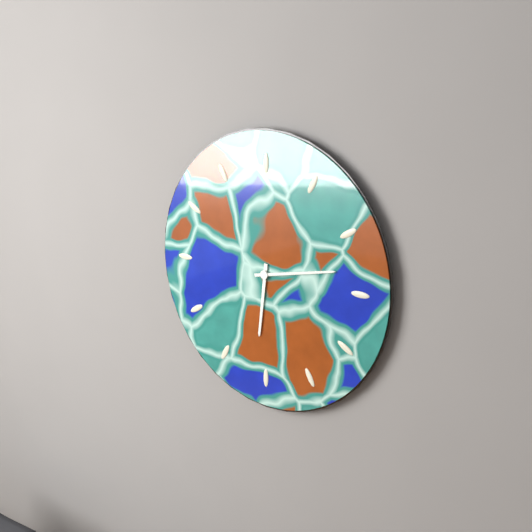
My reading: 6:13
